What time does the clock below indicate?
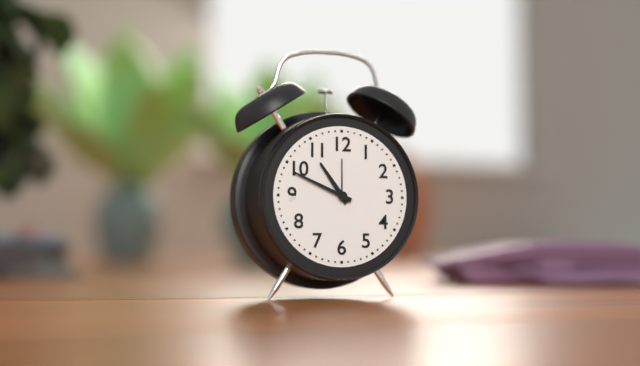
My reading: 10:49
